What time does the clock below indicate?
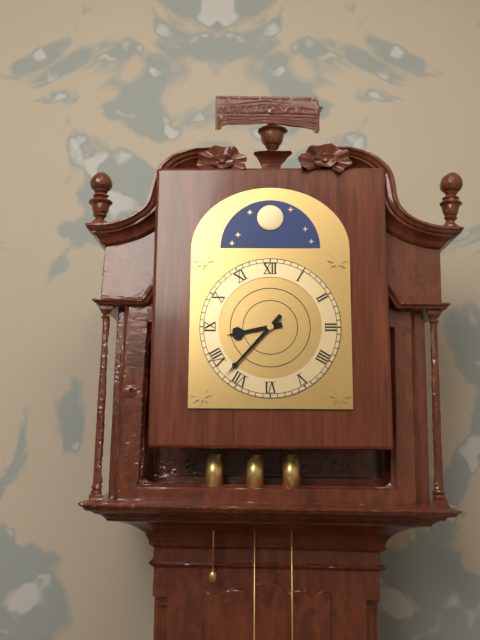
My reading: 8:37
